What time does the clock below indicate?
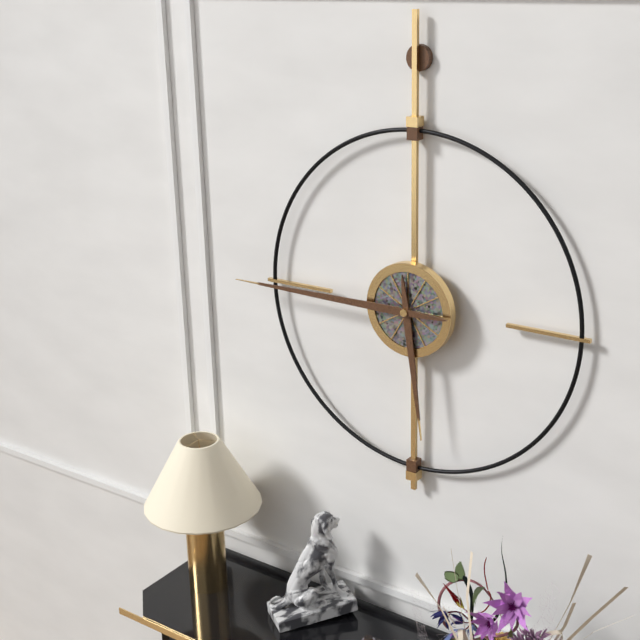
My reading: 5:45
